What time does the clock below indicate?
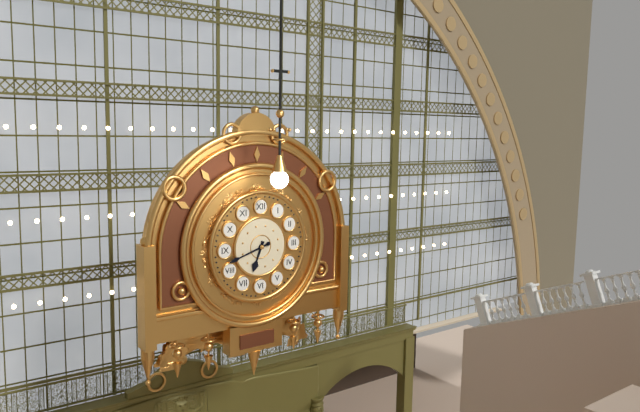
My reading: 6:42
